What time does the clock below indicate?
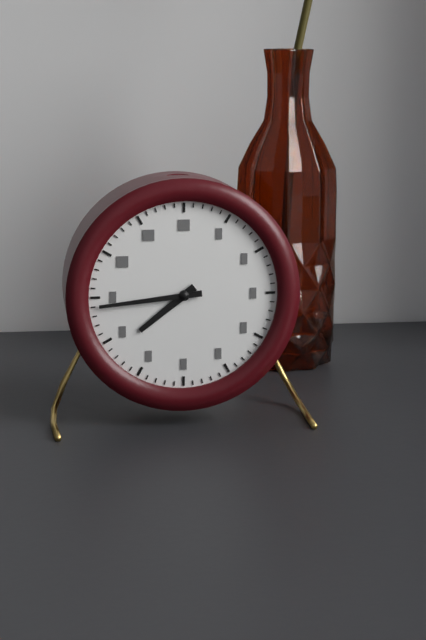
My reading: 7:44
